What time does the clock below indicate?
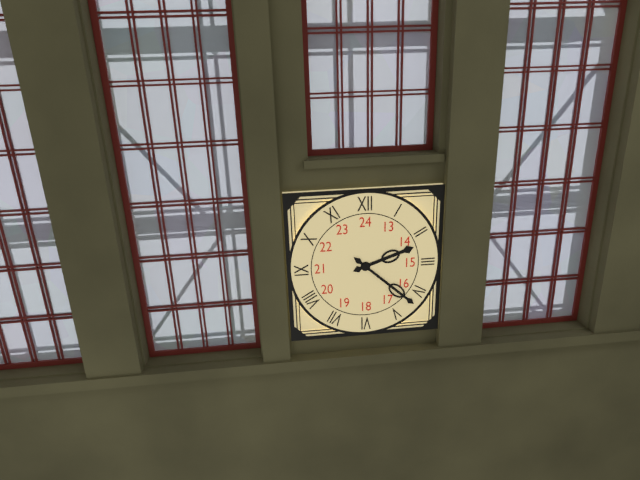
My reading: 2:22
